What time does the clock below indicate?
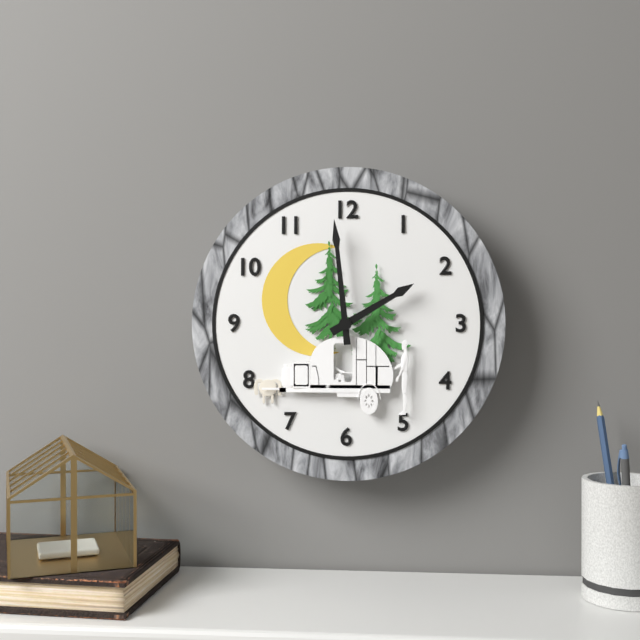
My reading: 1:59
